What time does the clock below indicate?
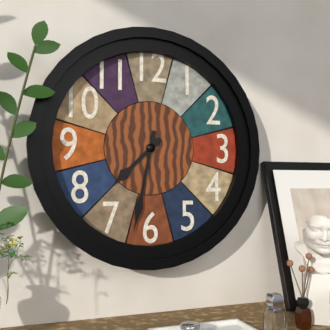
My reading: 7:32
